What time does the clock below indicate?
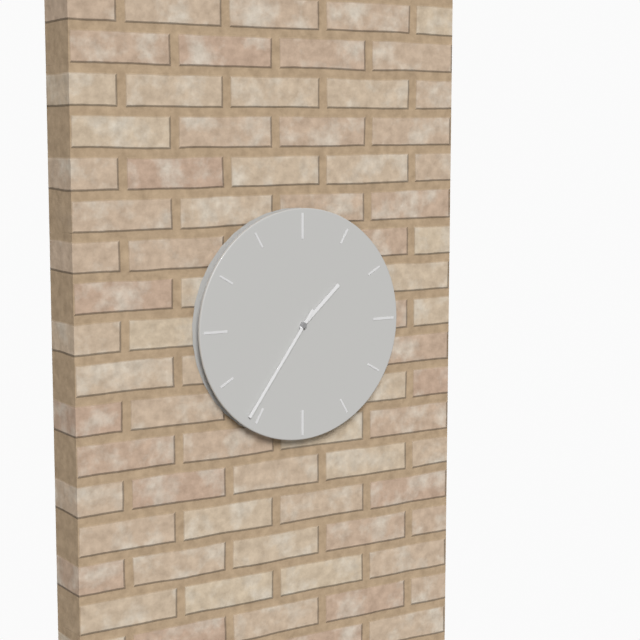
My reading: 1:36
